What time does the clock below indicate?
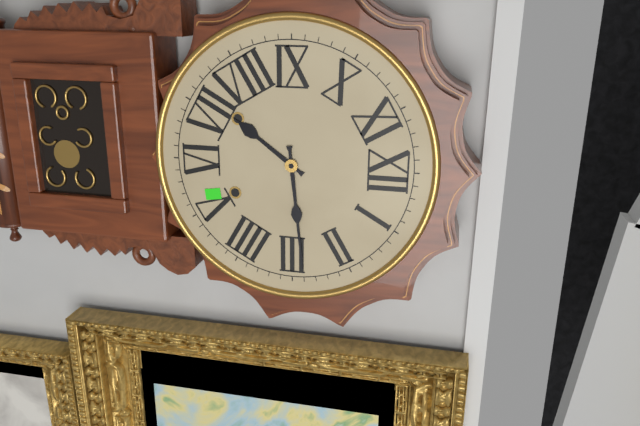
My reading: 7:14
